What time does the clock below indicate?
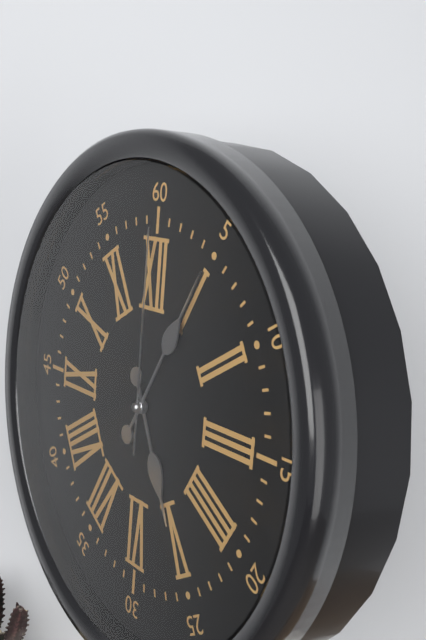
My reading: 5:05:00
